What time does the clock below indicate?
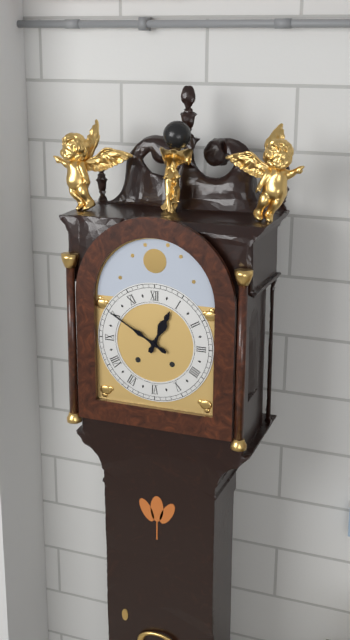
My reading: 12:50
